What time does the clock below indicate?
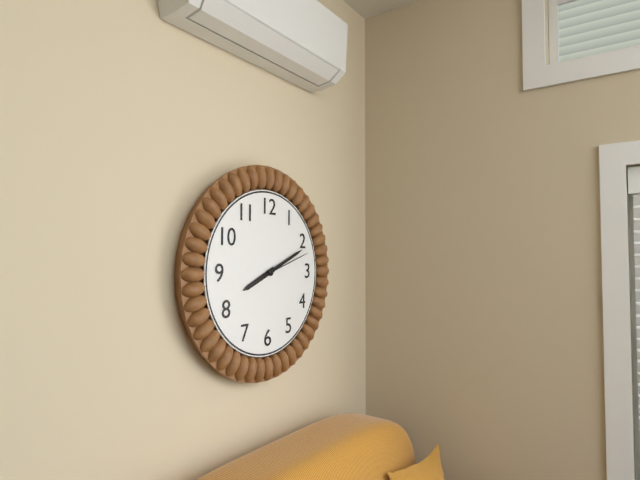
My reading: 8:11:12
